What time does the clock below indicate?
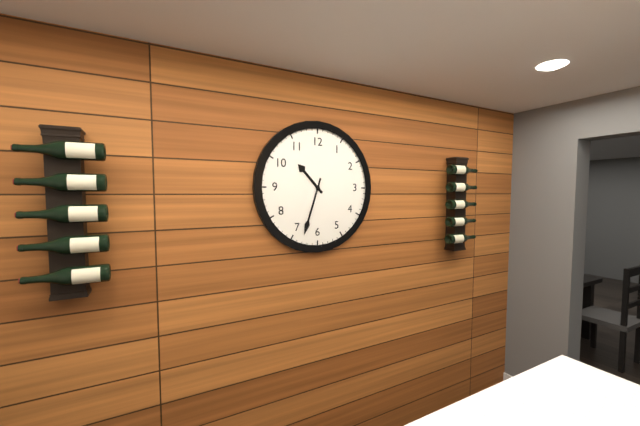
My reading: 10:33
